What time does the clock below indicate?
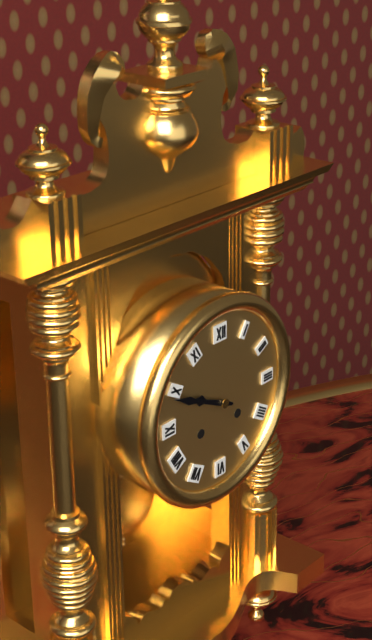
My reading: 9:49
